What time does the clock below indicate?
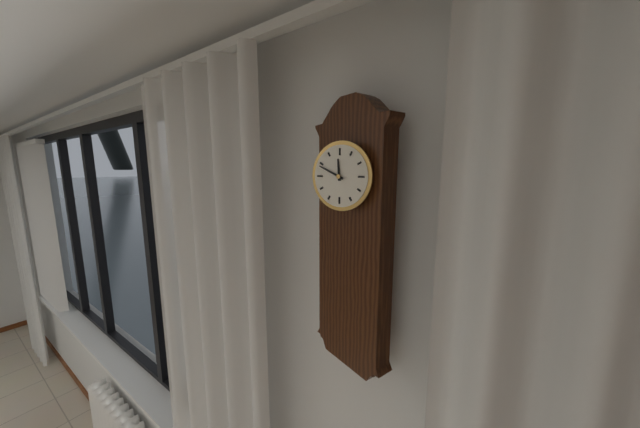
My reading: 11:49
